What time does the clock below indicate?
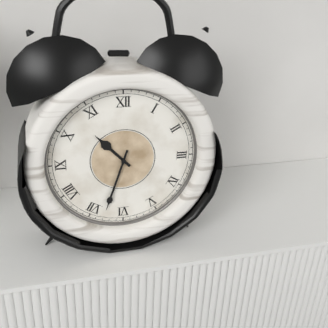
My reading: 10:33
